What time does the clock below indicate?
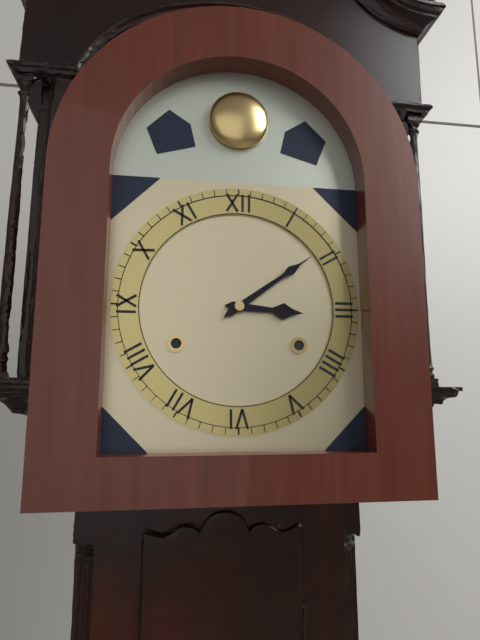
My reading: 3:09
